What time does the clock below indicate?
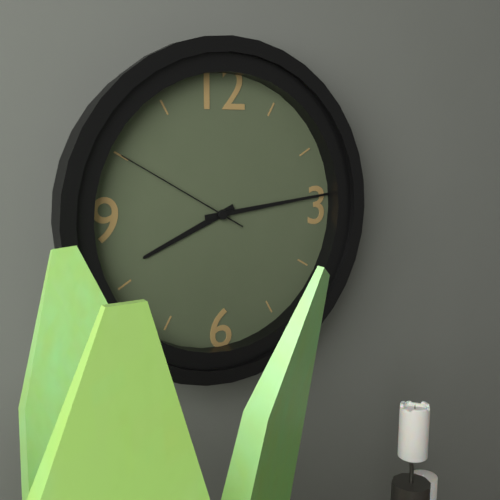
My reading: 8:14:50
